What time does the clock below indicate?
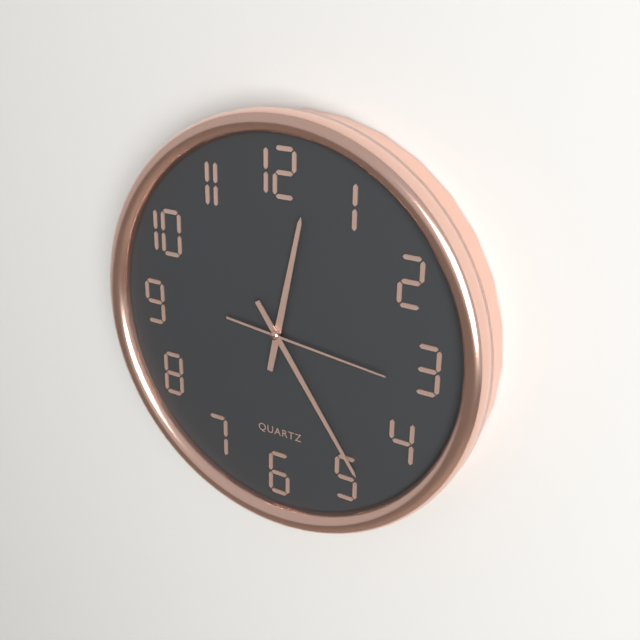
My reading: 12:24:16
